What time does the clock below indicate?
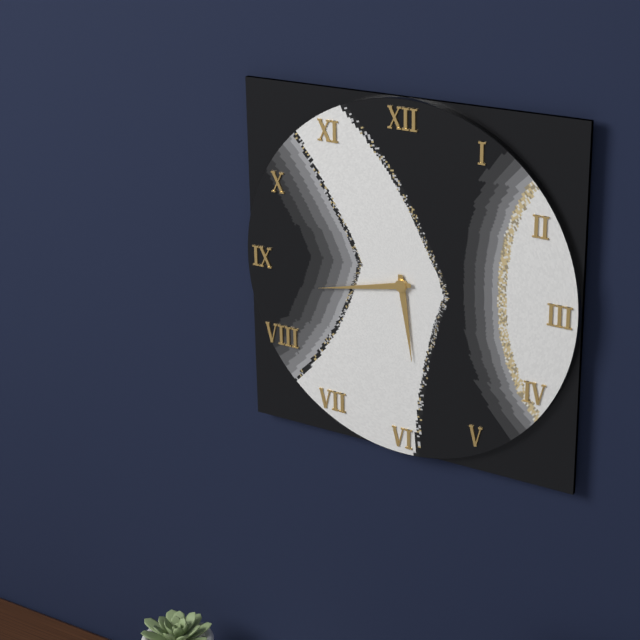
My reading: 5:43
